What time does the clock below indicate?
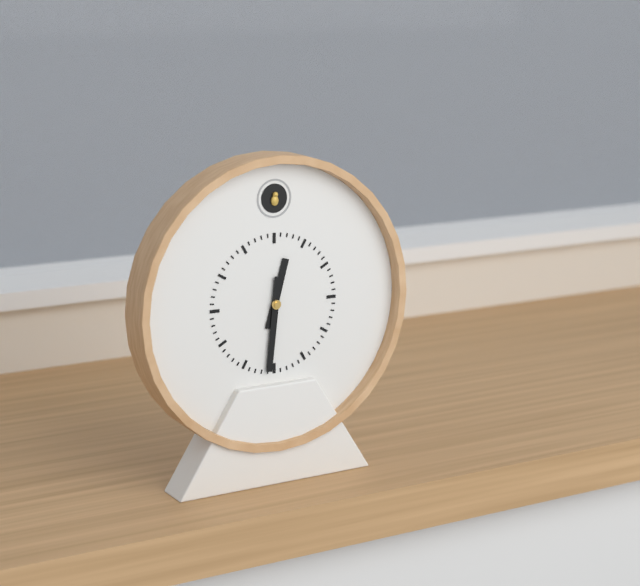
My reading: 12:31
